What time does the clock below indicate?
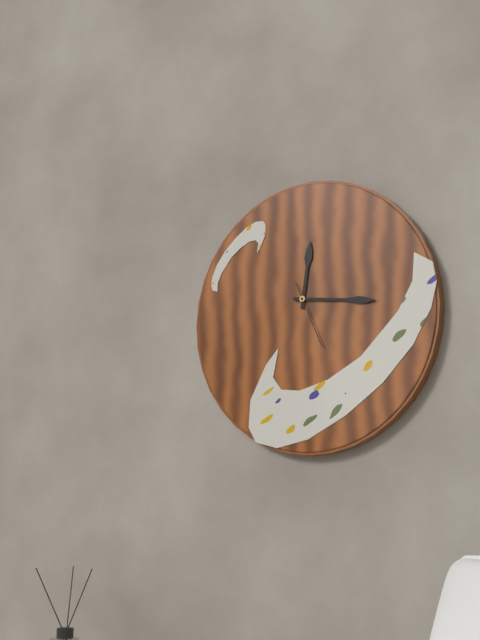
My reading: 12:16:26
